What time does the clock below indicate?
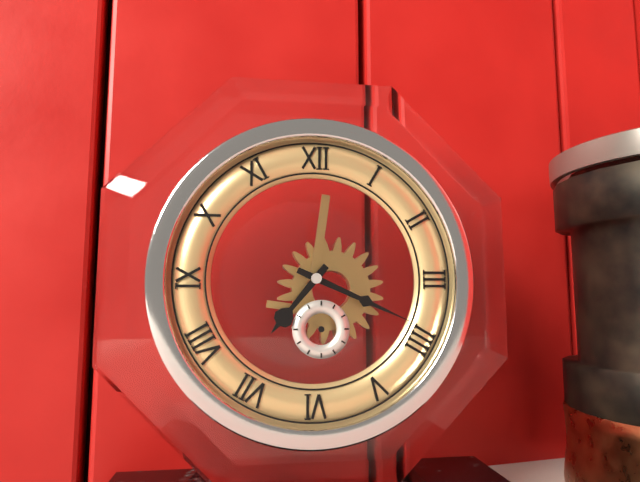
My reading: 7:19
